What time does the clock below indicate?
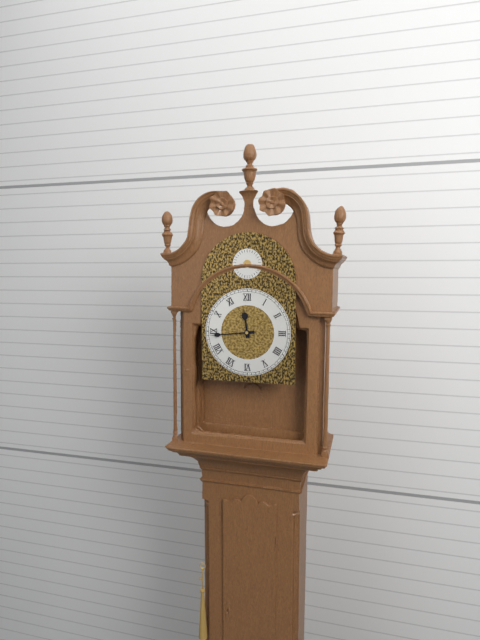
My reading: 11:44
